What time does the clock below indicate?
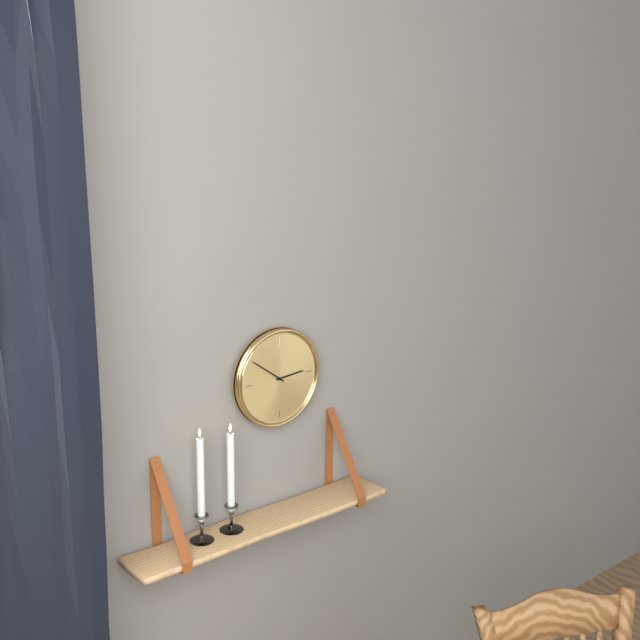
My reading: 2:51
